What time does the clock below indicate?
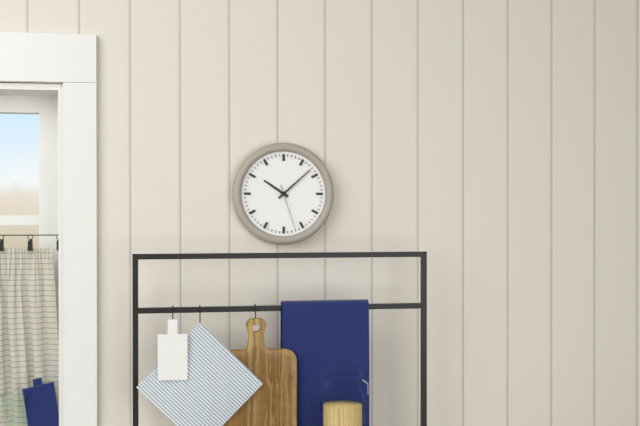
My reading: 10:08
